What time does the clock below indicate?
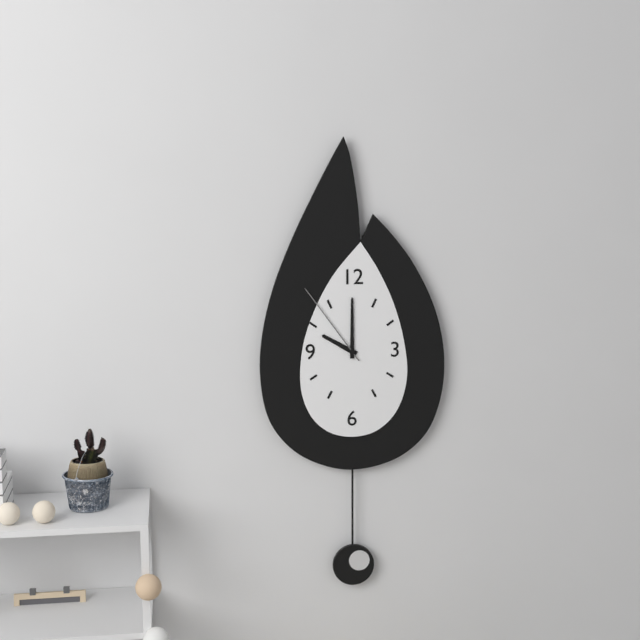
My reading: 10:00:54
